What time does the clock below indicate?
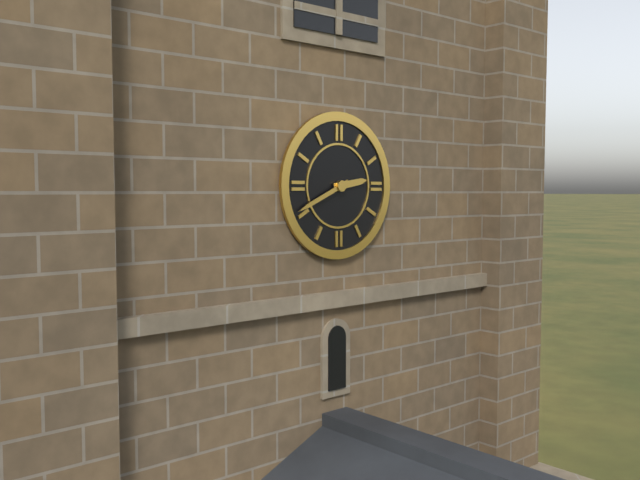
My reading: 2:41
